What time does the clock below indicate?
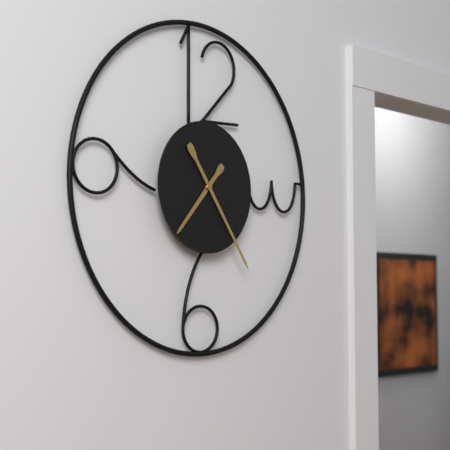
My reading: 7:24
